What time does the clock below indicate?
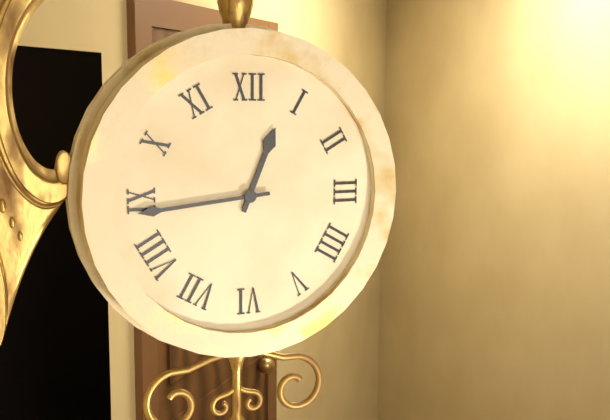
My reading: 12:44
